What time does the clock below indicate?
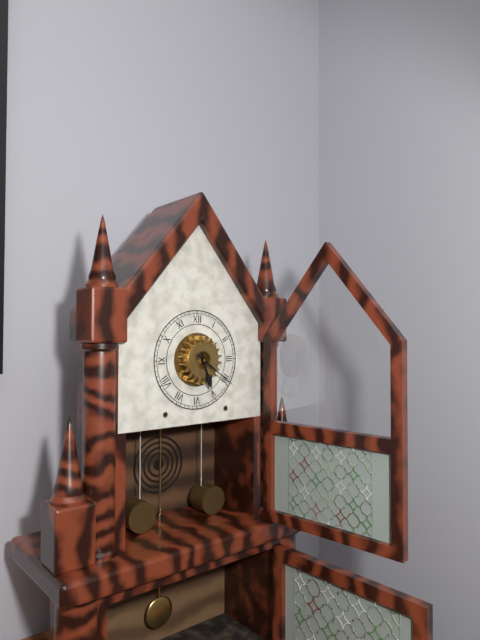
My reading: 5:21
